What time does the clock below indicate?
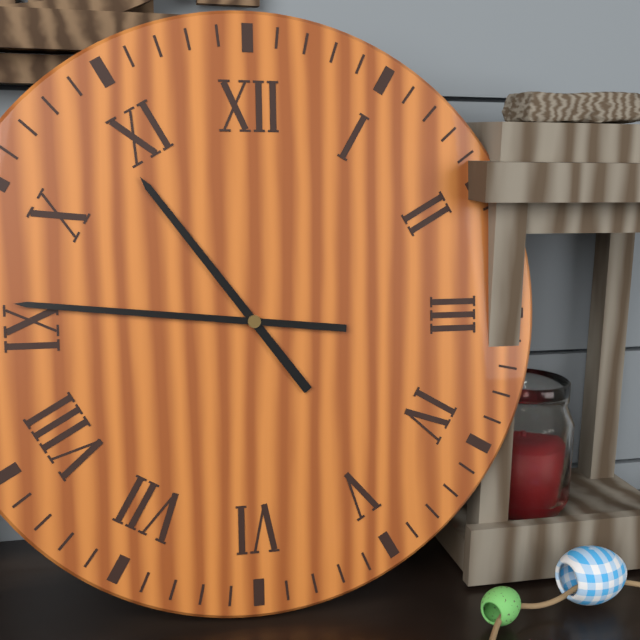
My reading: 10:46
